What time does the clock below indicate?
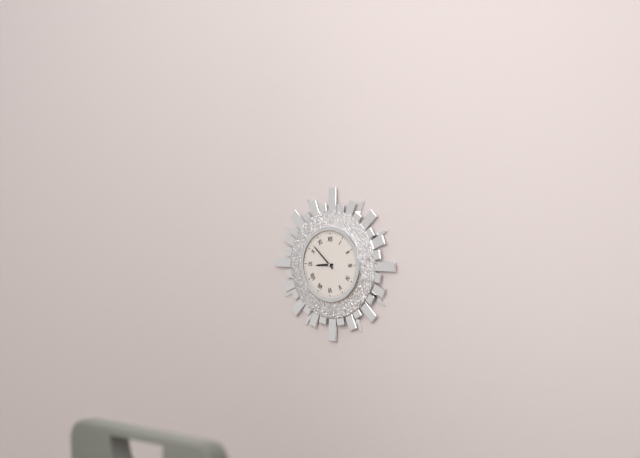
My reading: 8:52
